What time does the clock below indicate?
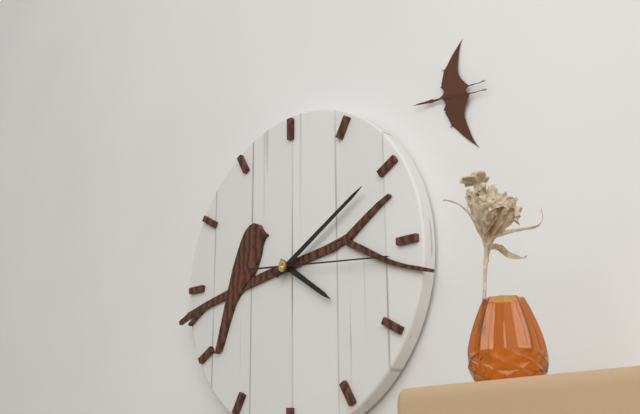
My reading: 4:10:16
